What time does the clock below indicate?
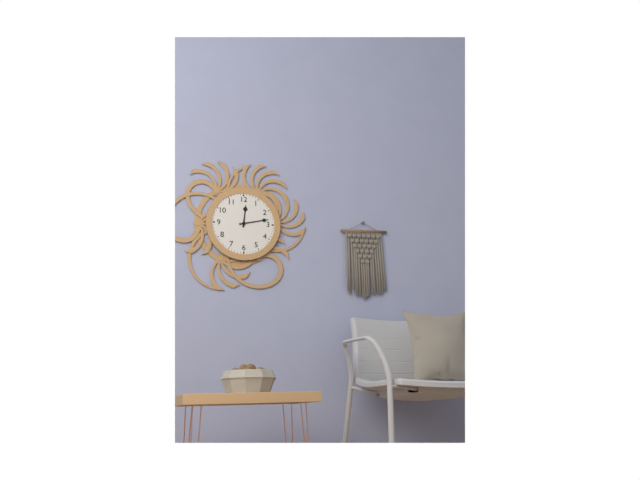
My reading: 12:13
